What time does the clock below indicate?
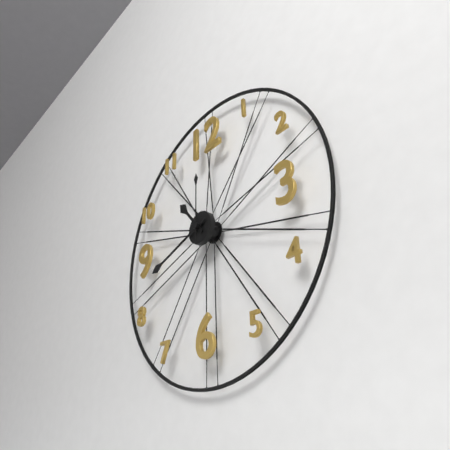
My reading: 10:42:00
